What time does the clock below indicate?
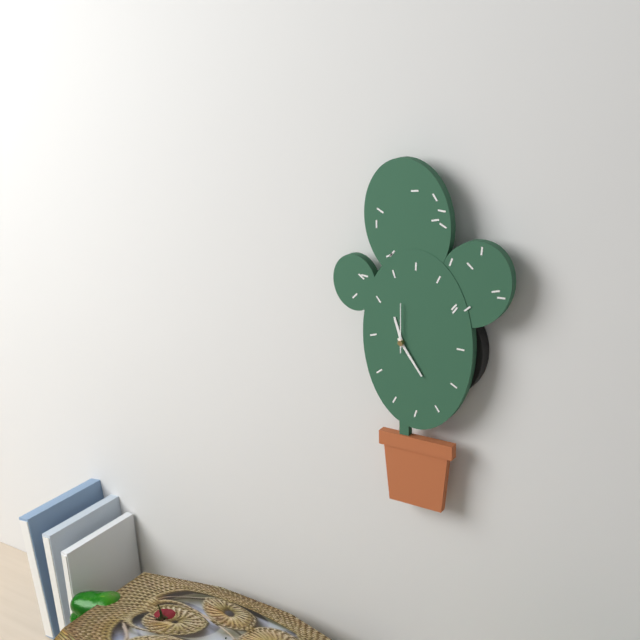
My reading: 11:24
